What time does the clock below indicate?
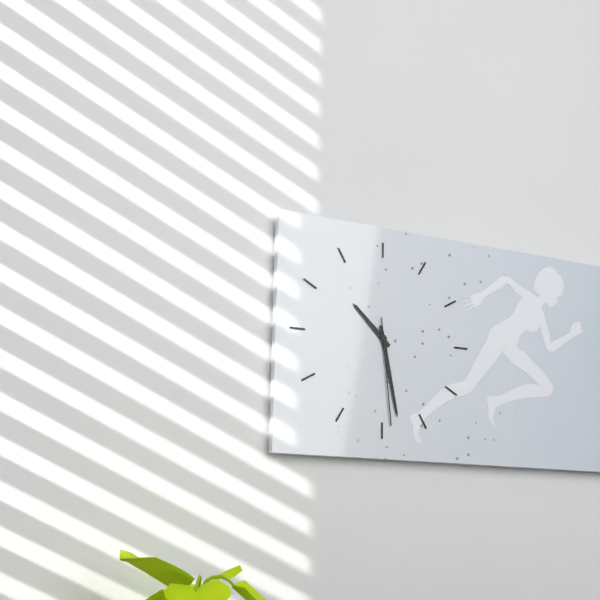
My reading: 10:28:29
